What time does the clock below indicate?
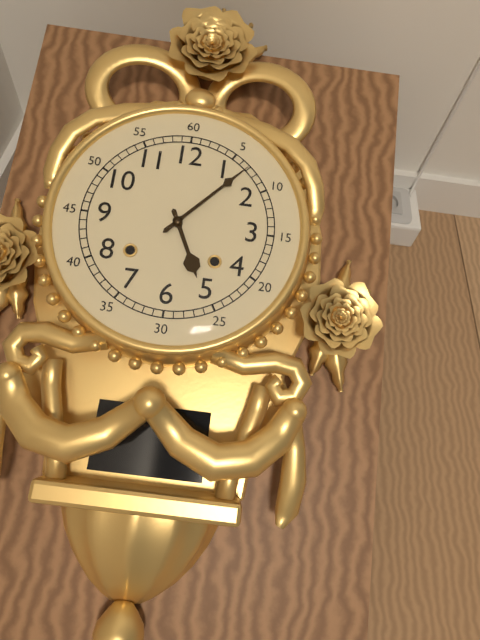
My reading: 5:07
